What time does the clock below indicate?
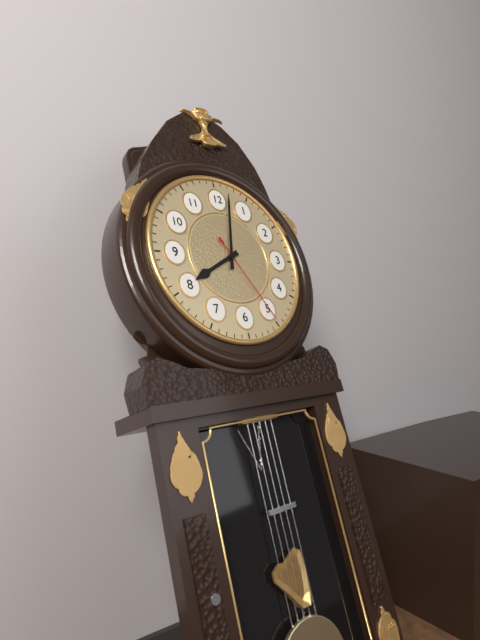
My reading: 8:02:25
